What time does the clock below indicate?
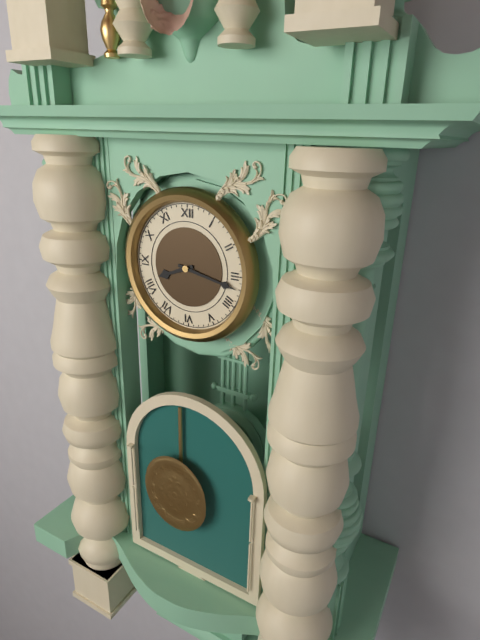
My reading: 8:17
